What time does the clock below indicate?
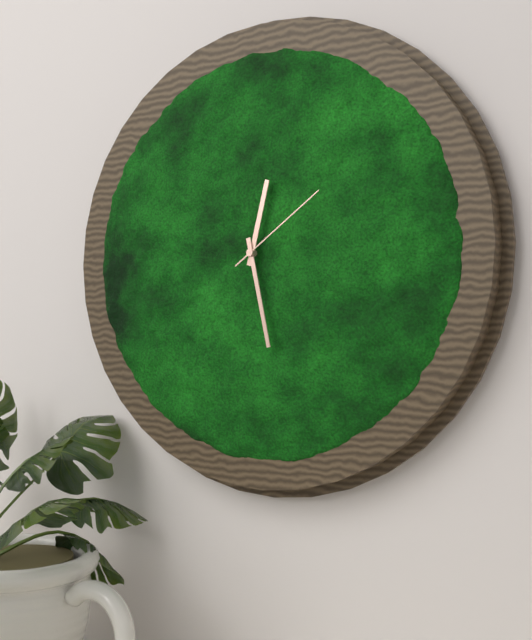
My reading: 12:28:09
